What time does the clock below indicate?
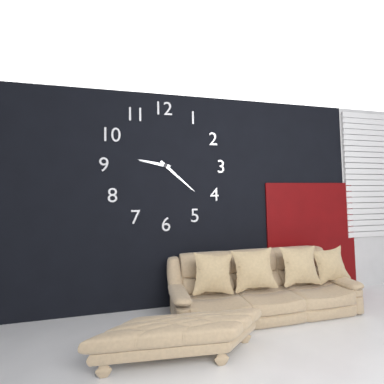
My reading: 9:22
